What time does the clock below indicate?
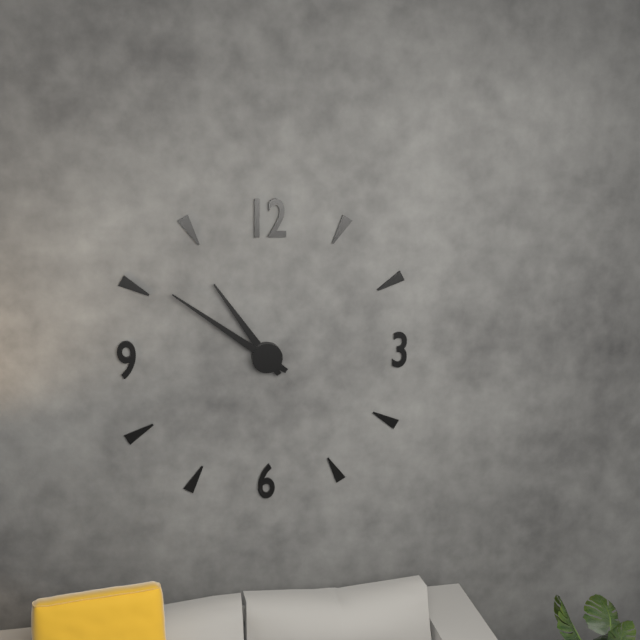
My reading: 10:51
